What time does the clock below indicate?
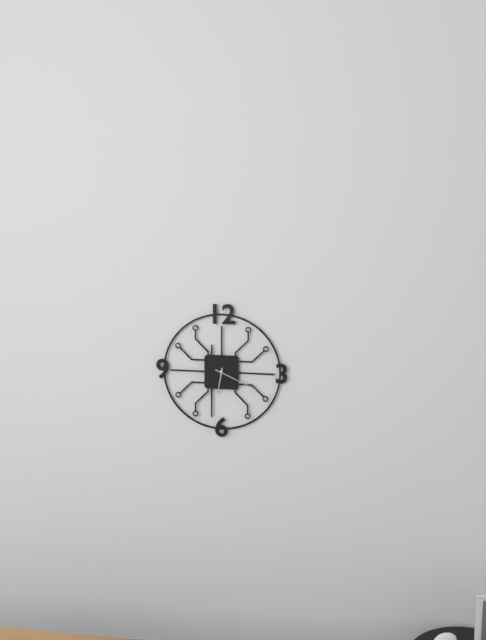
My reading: 6:19
